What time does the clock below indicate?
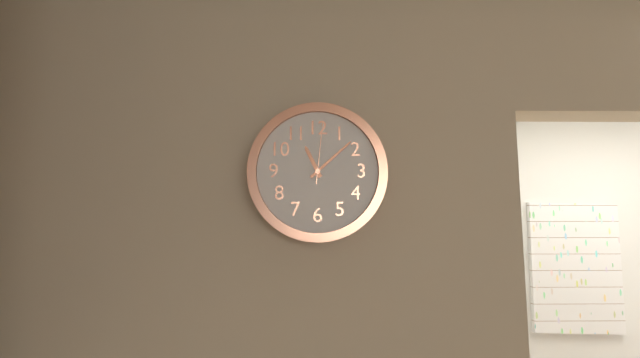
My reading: 11:08:01
